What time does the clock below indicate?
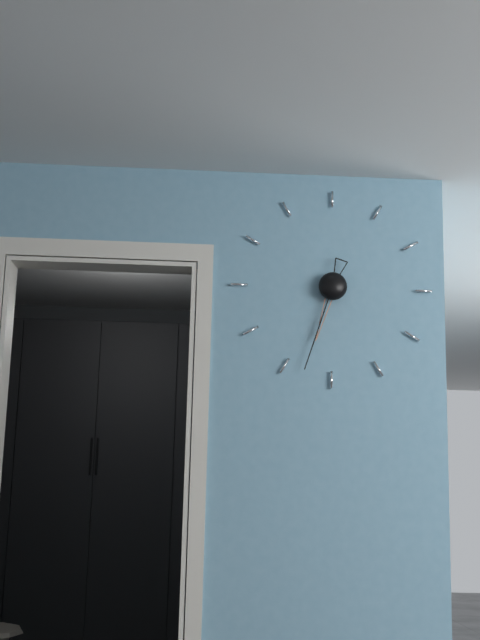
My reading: 6:33
